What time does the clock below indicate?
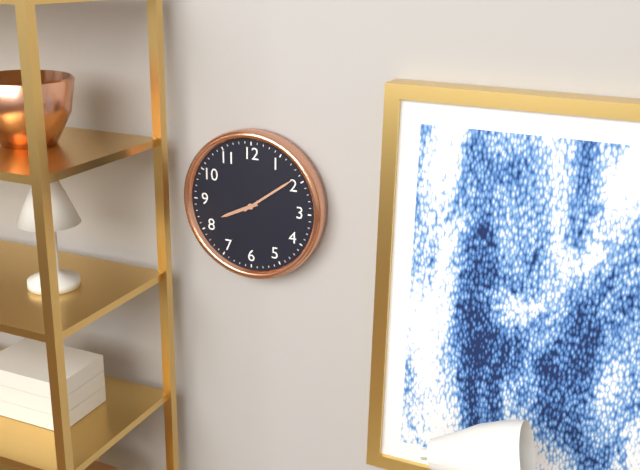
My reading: 8:09
